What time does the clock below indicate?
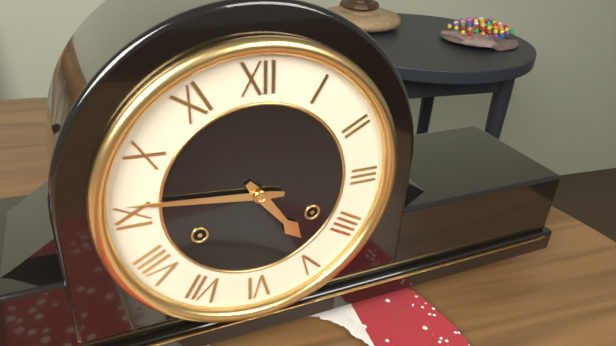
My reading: 4:46
